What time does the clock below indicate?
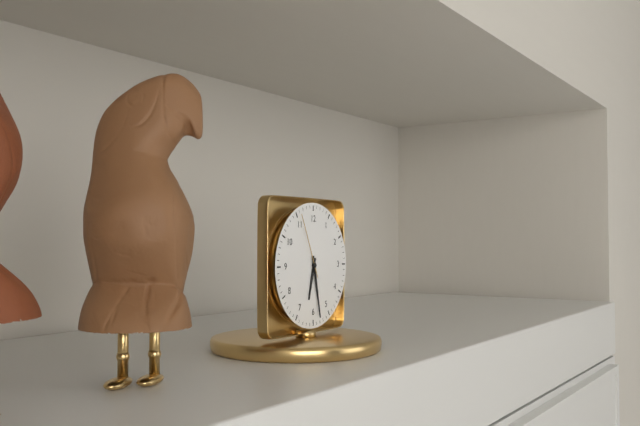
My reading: 6:28:56
